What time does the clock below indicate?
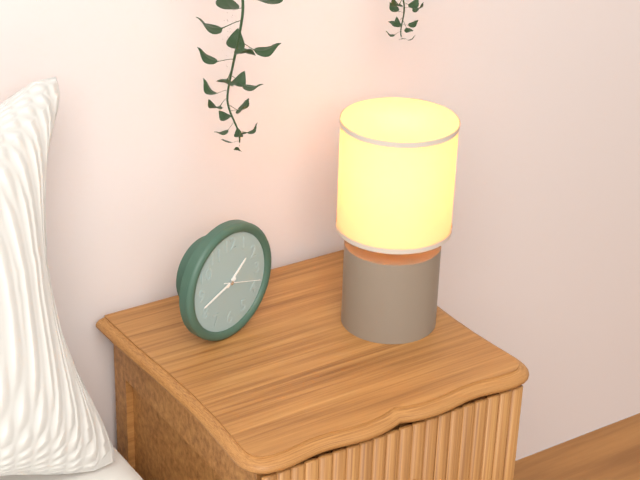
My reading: 1:42
